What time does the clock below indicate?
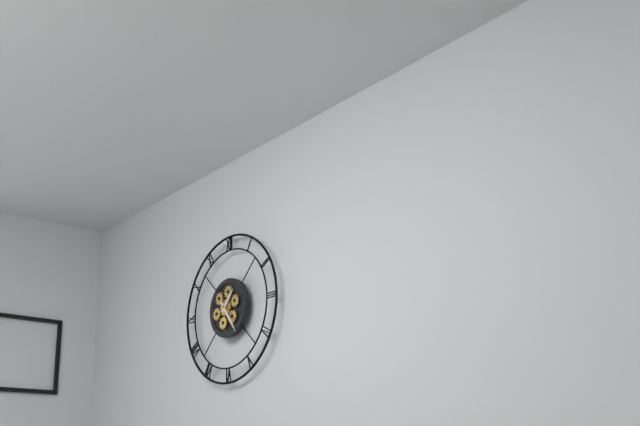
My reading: 1:24
